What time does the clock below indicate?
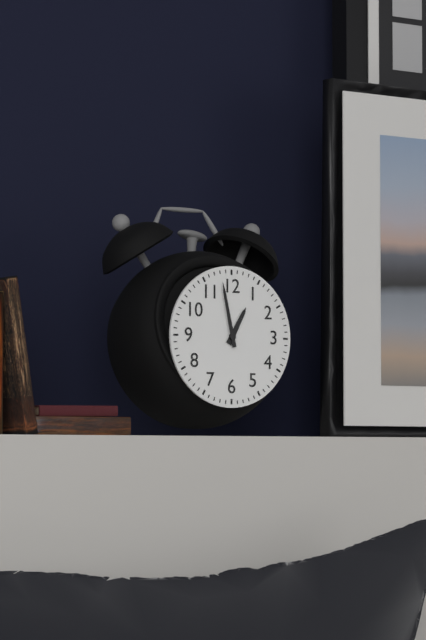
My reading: 12:58
